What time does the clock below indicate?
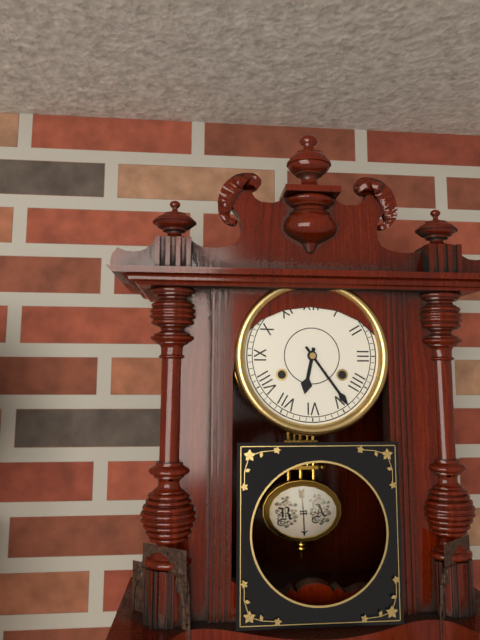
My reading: 6:24
